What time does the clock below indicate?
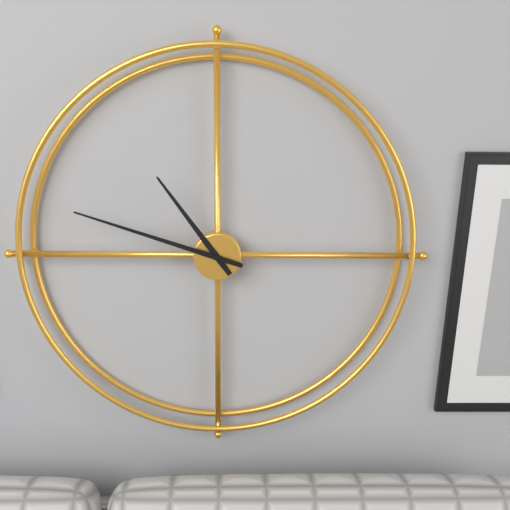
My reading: 10:48
